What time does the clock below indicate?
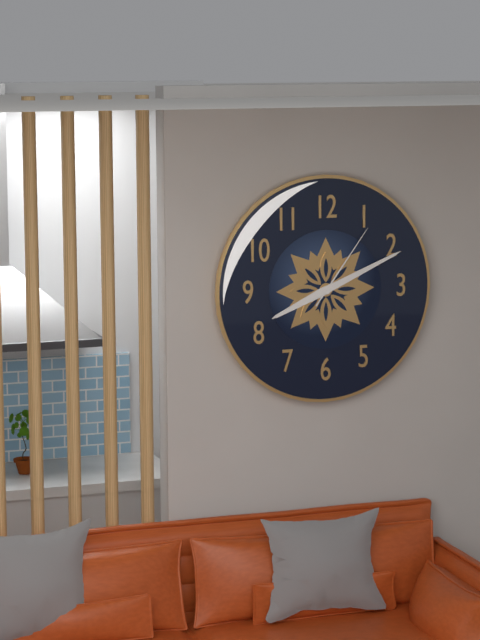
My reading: 8:11:06
